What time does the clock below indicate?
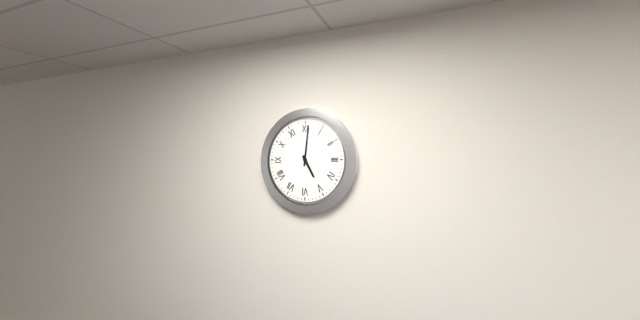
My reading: 5:01
